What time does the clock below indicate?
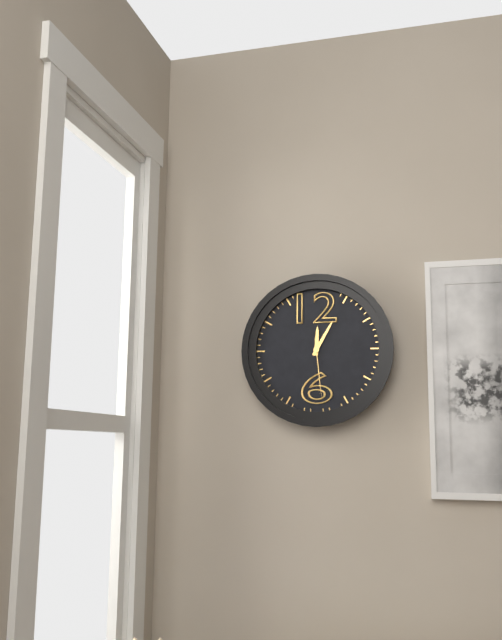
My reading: 12:05:29
